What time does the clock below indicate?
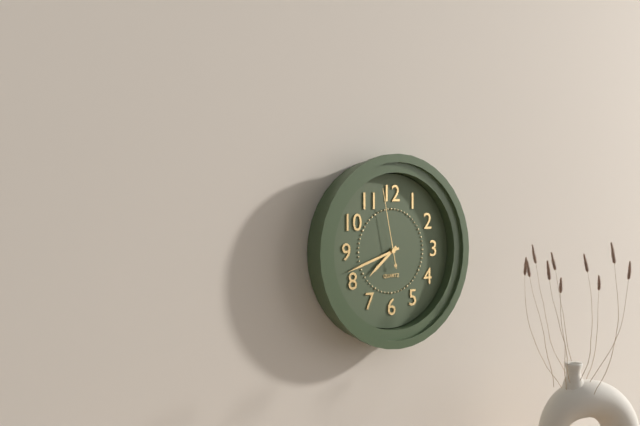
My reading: 7:42:58
